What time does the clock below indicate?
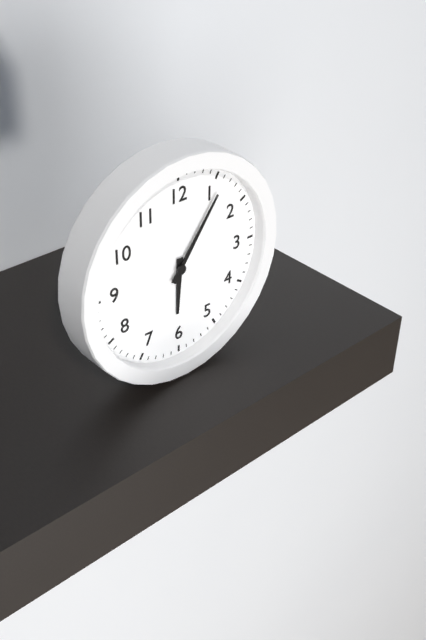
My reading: 6:06
